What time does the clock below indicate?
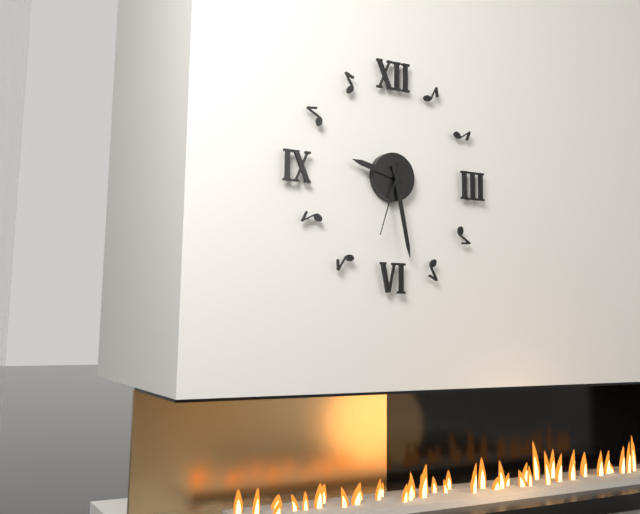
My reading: 9:28:33
